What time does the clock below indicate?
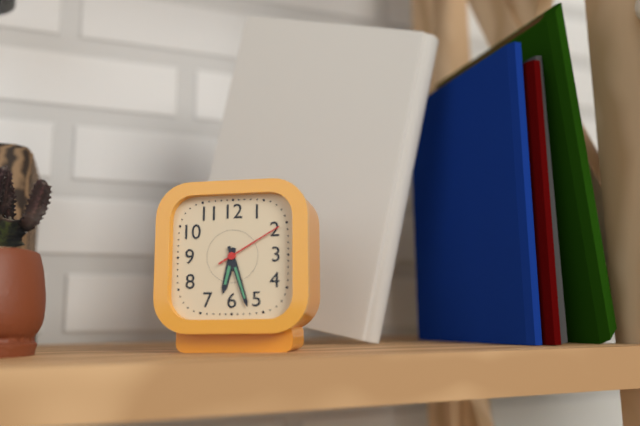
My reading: 6:27:10
